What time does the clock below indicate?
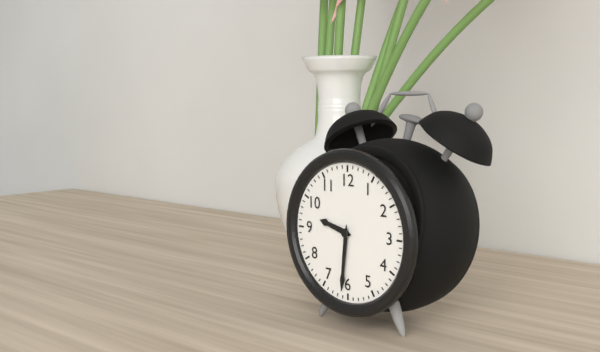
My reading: 9:31
